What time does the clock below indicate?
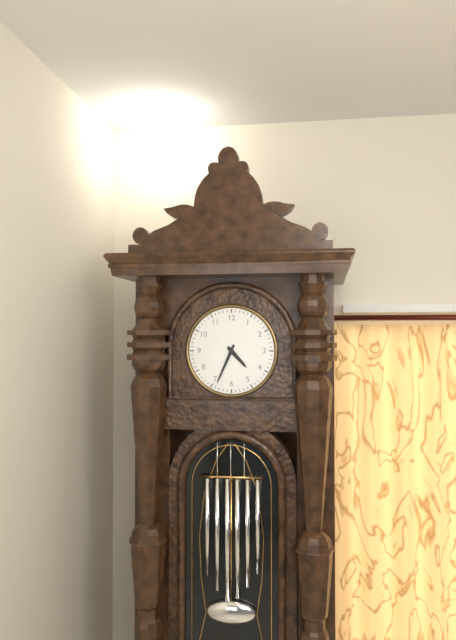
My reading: 4:34
